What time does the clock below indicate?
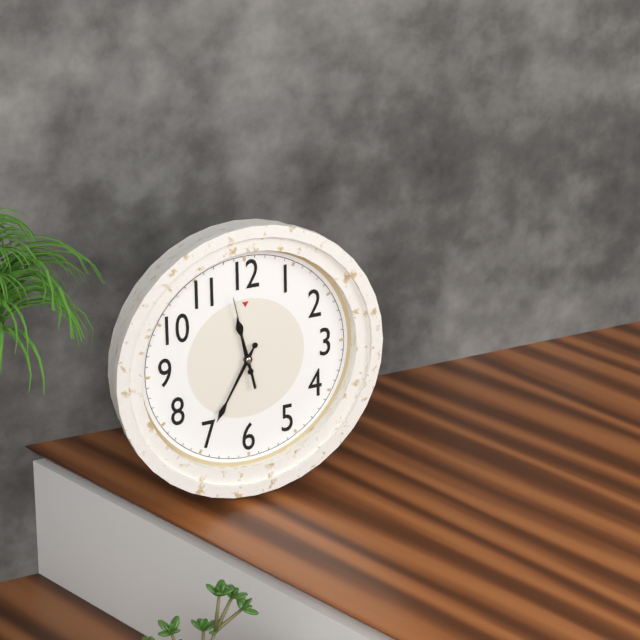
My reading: 11:35:58
